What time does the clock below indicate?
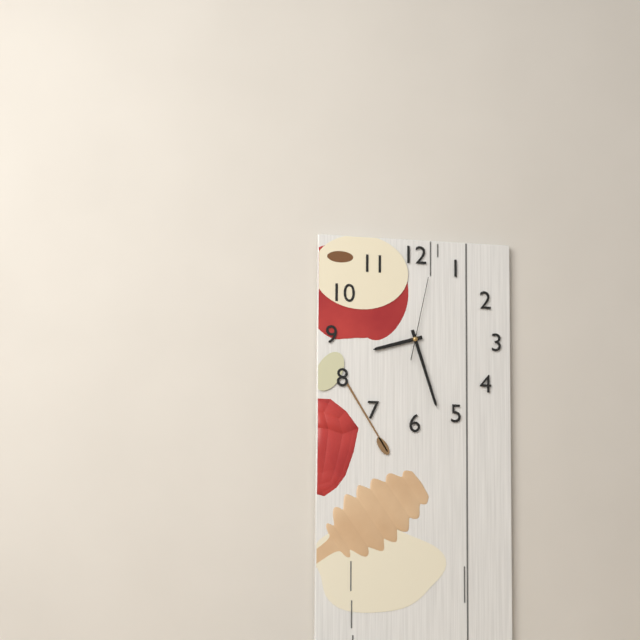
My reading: 8:27:02
